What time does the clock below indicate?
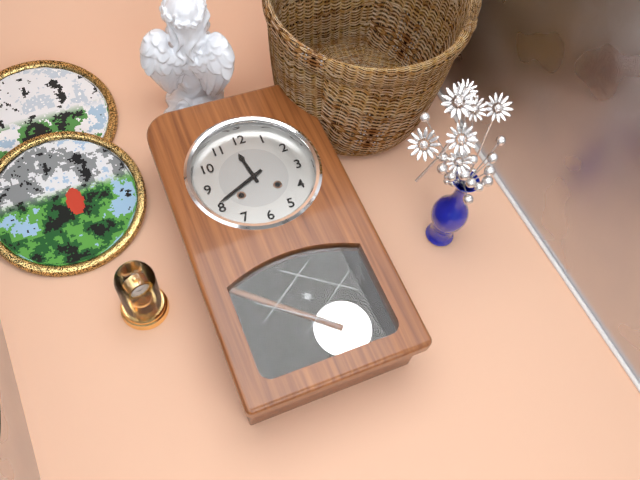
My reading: 11:41
